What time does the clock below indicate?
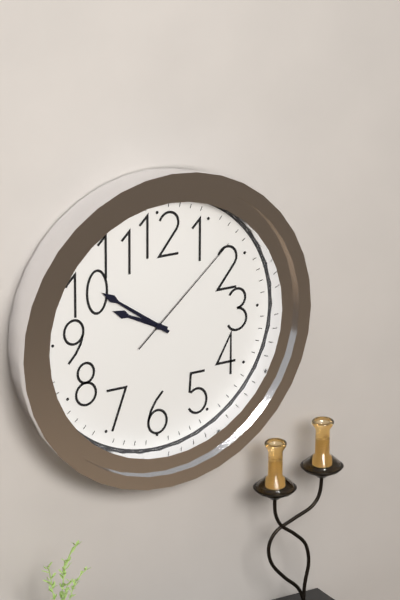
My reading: 9:51:08
